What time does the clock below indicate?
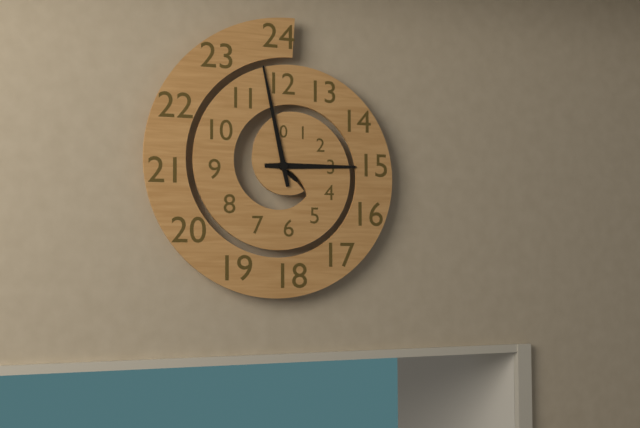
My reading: 2:58
